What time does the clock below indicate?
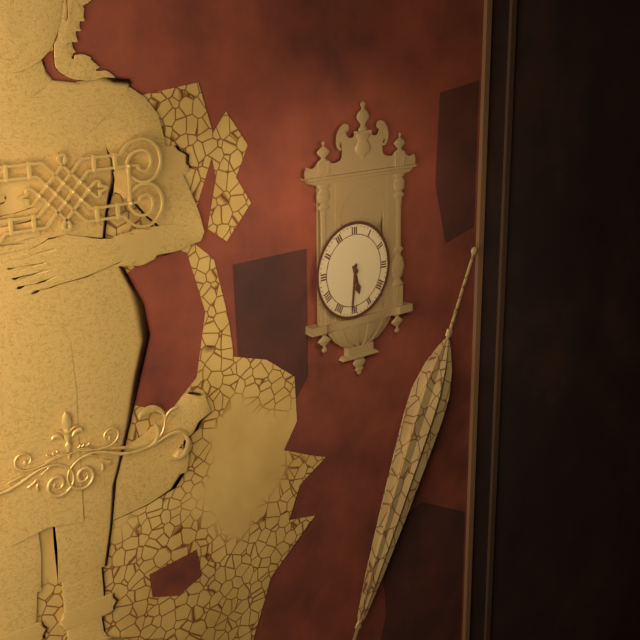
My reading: 5:31
